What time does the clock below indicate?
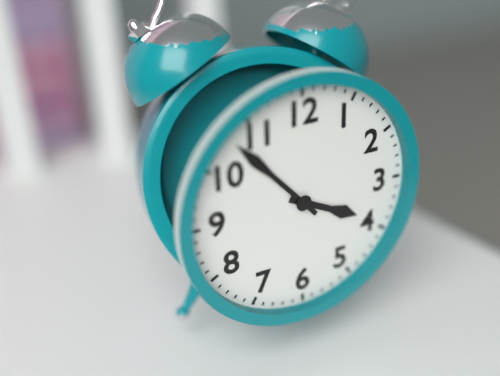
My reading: 3:53
